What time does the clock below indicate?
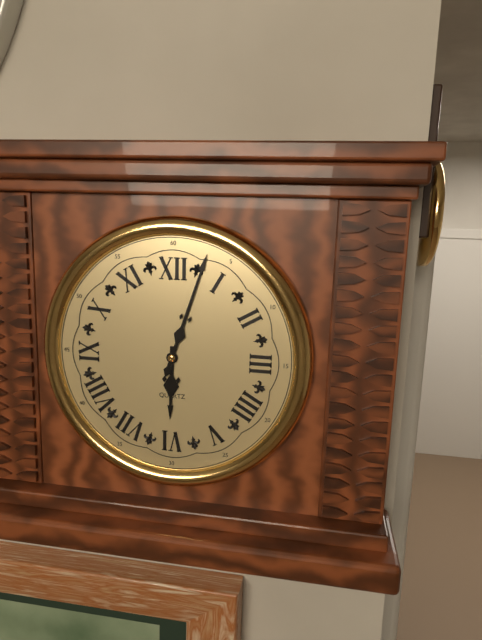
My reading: 6:03
